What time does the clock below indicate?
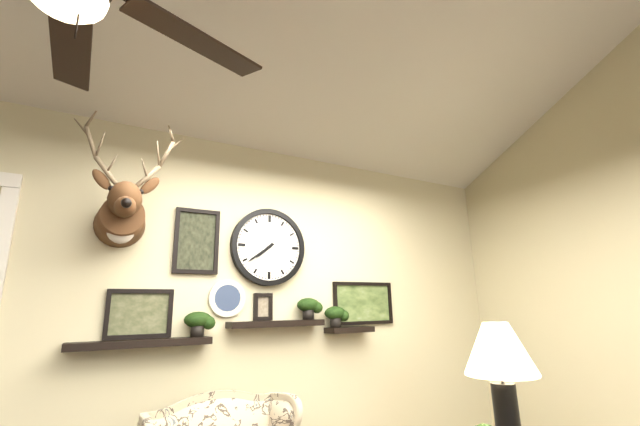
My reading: 7:39
